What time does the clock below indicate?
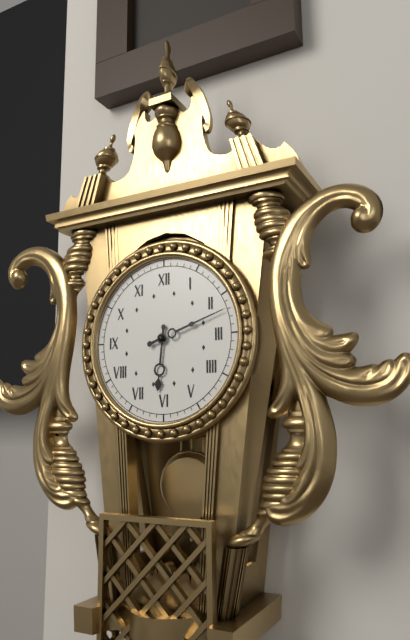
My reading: 6:12
